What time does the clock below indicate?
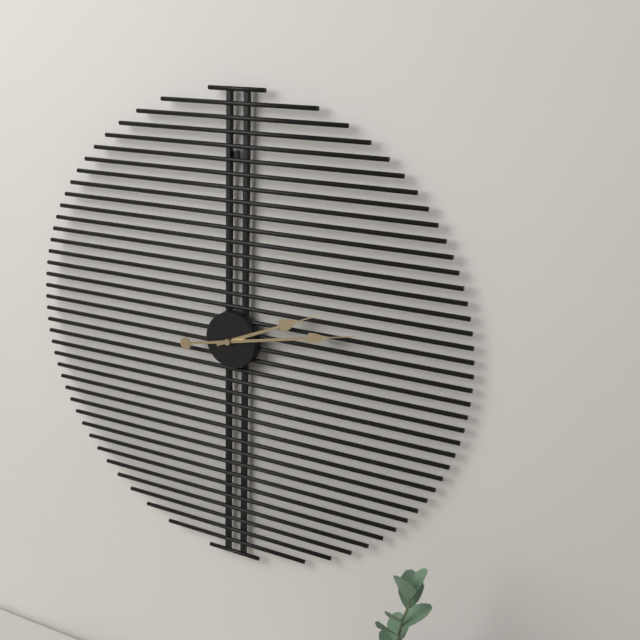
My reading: 2:13
